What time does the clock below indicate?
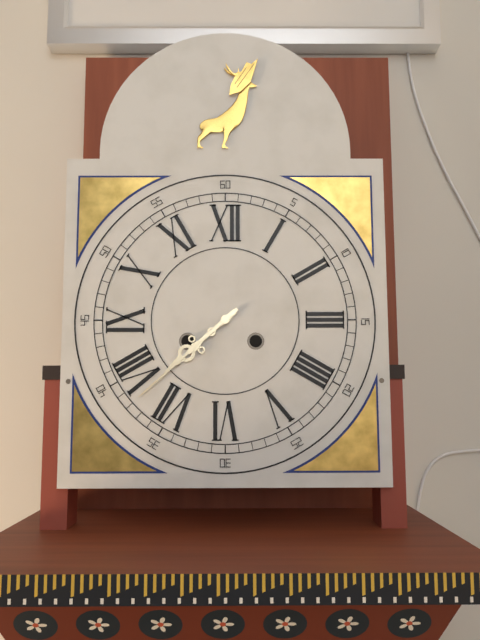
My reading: 7:38
